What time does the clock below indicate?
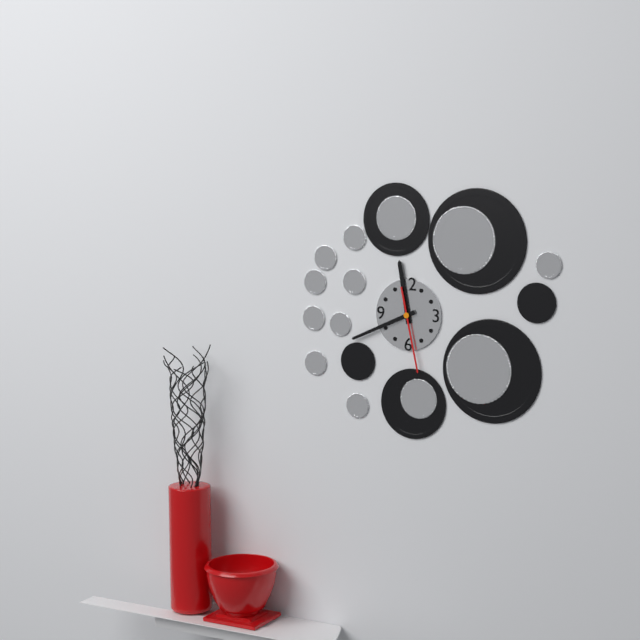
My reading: 11:41:28
